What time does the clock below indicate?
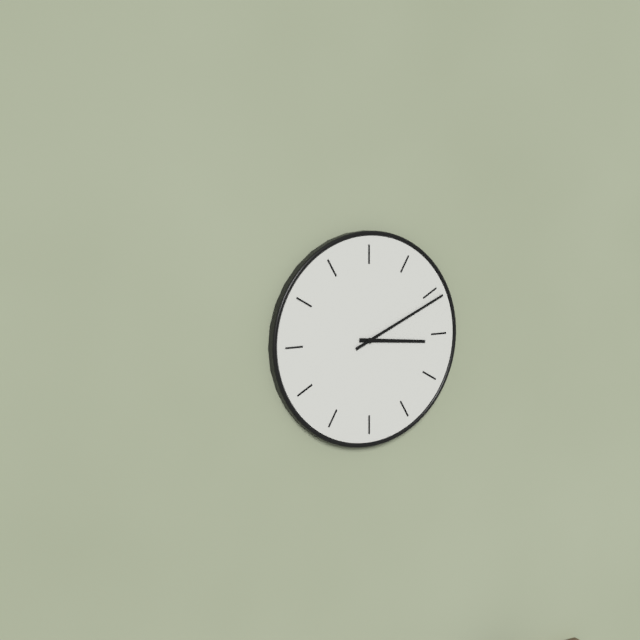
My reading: 3:11
